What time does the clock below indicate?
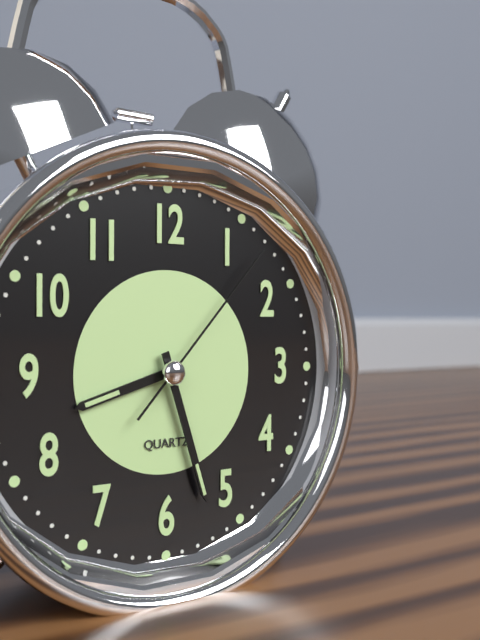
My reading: 8:27:07
